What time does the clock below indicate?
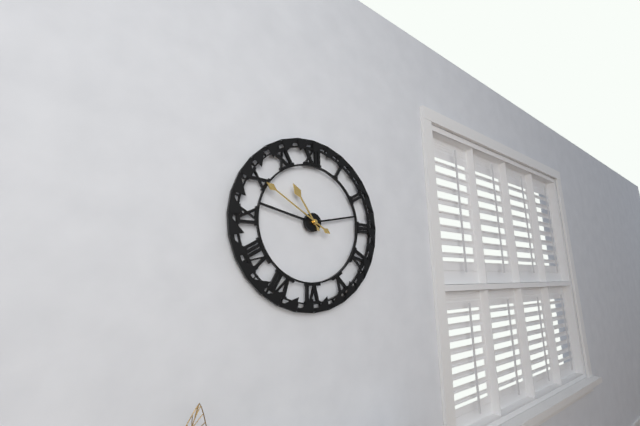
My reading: 10:50
